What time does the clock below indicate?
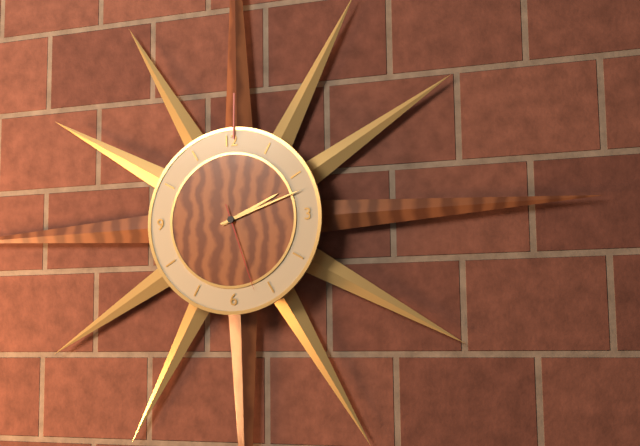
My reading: 2:12:27
